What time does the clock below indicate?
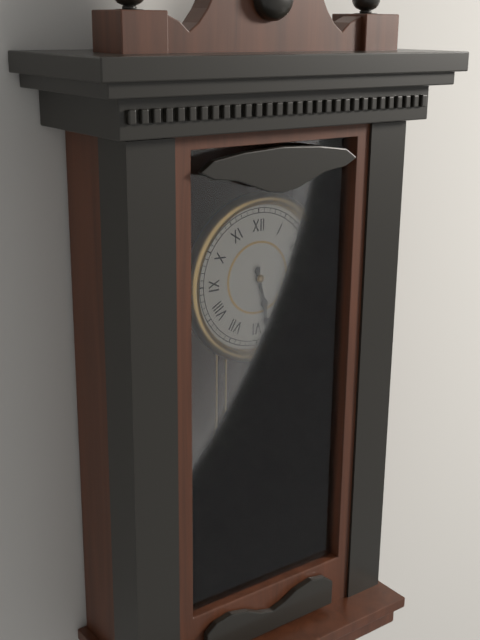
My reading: 5:28
